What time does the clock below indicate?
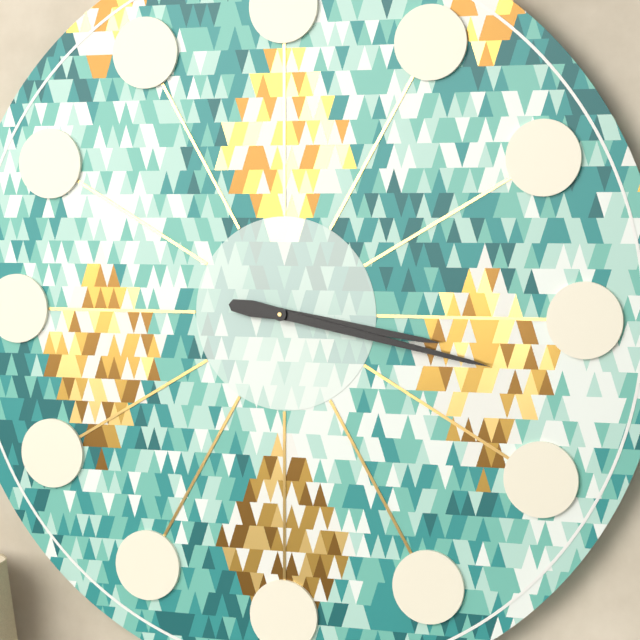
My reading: 3:17
